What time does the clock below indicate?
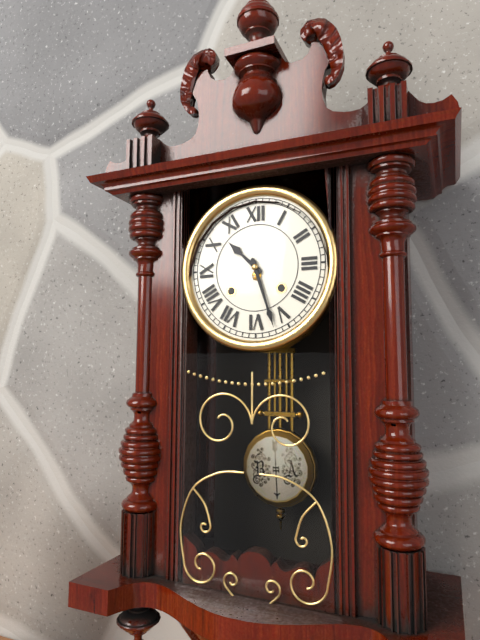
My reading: 10:27
